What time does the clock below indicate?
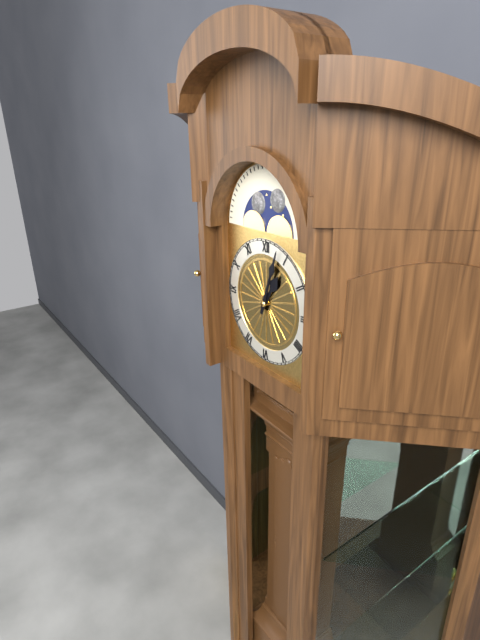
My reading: 1:03
